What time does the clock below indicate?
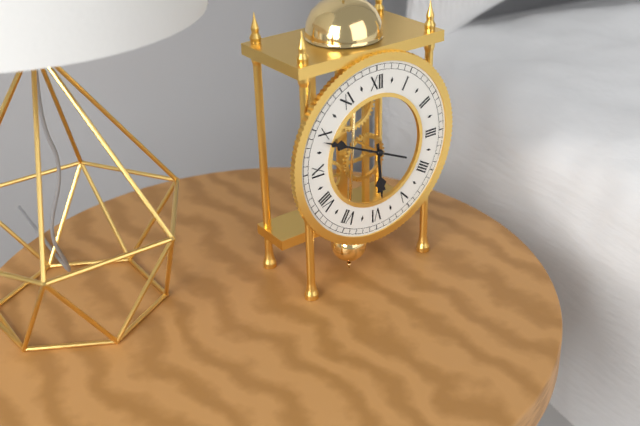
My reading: 5:49
